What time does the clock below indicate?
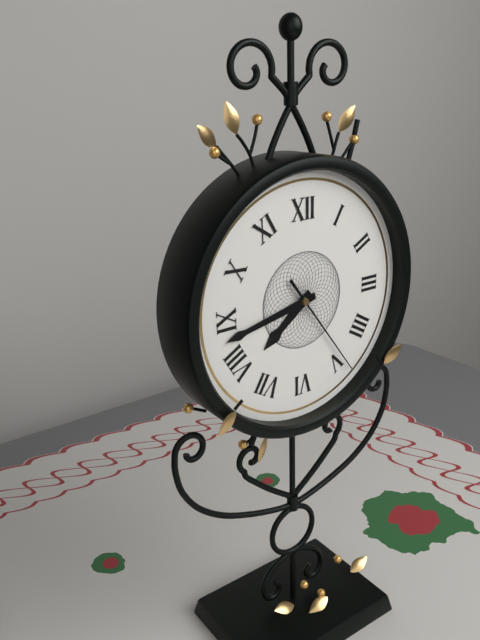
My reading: 7:43:24
